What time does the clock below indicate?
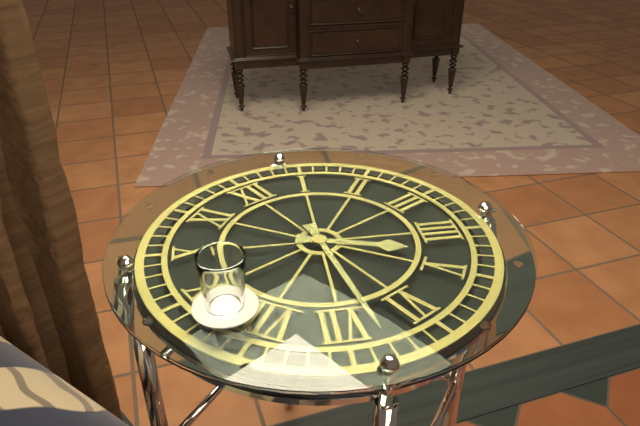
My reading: 4:33
